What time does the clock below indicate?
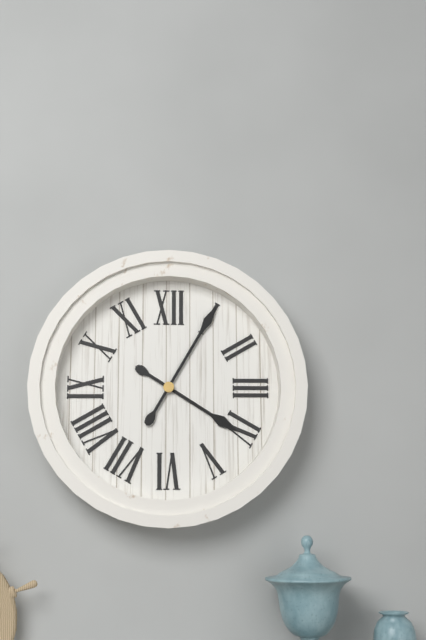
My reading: 4:05
